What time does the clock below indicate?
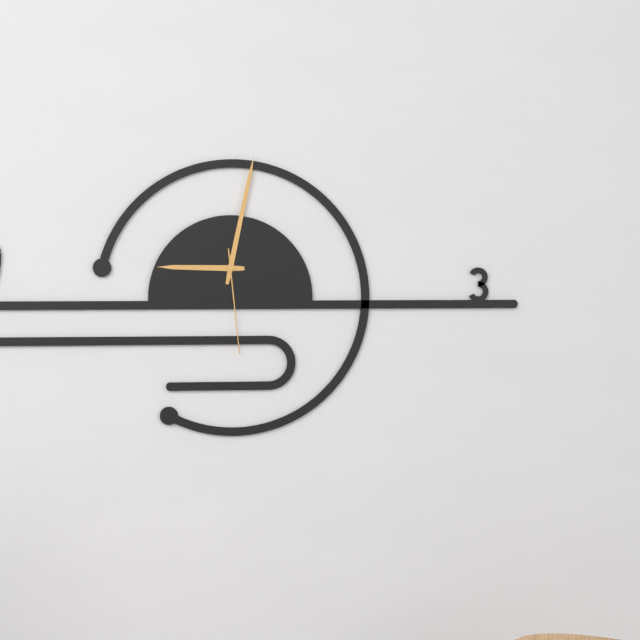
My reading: 9:02:29
